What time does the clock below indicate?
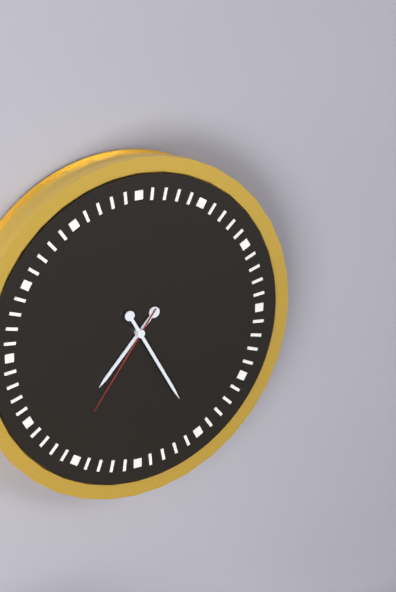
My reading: 7:25:36
